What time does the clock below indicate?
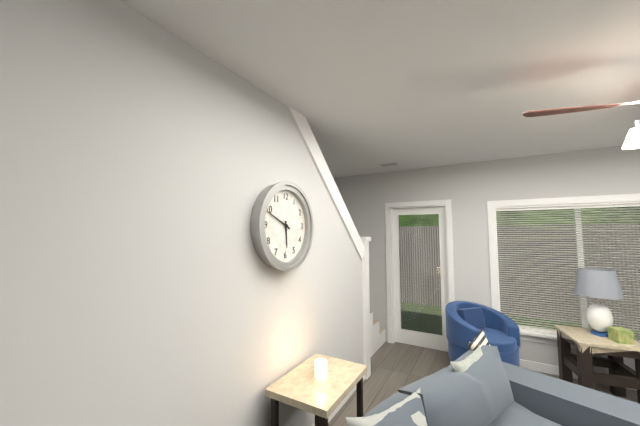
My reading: 5:49
